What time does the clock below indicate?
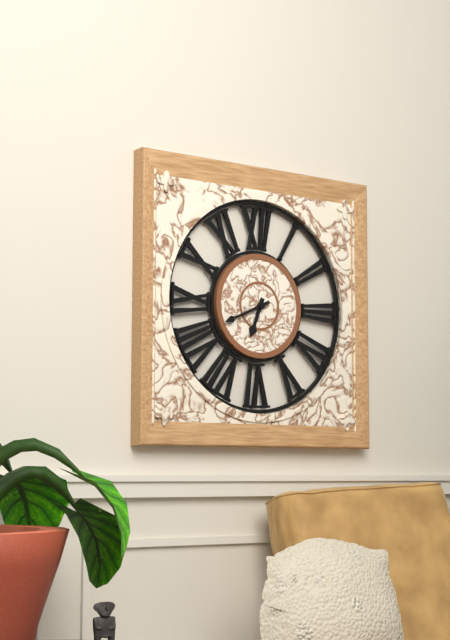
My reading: 6:41
